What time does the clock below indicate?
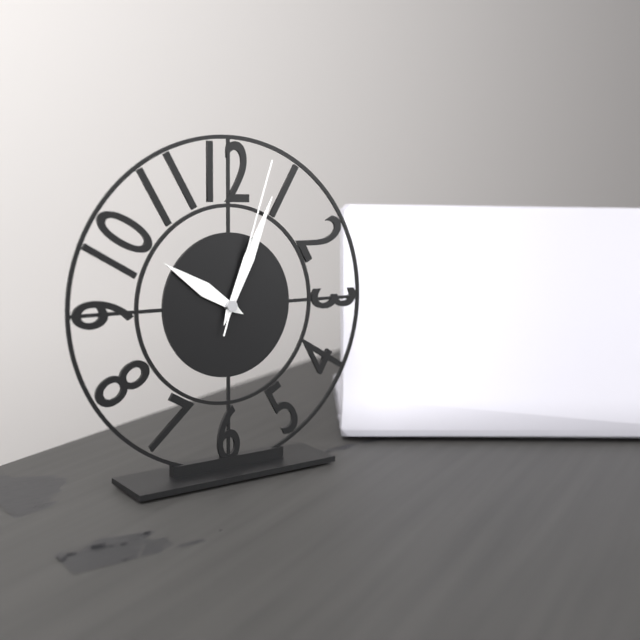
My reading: 10:04:03
